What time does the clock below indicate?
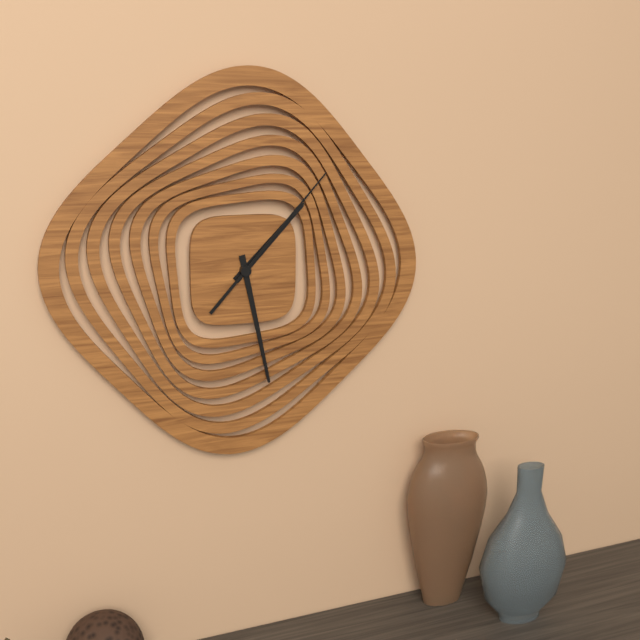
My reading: 1:28:07
